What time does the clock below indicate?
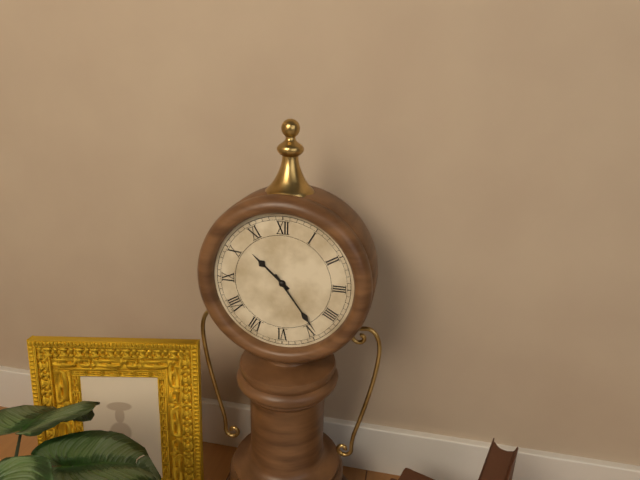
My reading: 10:24
